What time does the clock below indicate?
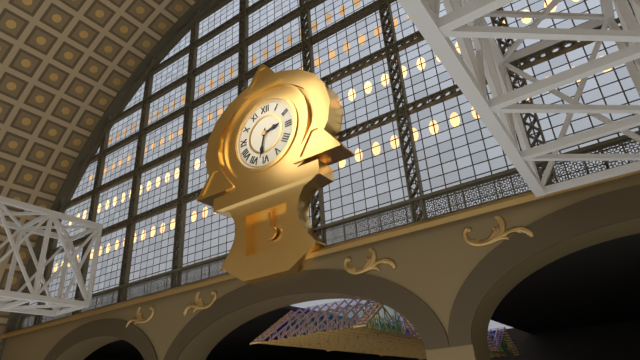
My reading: 2:32
